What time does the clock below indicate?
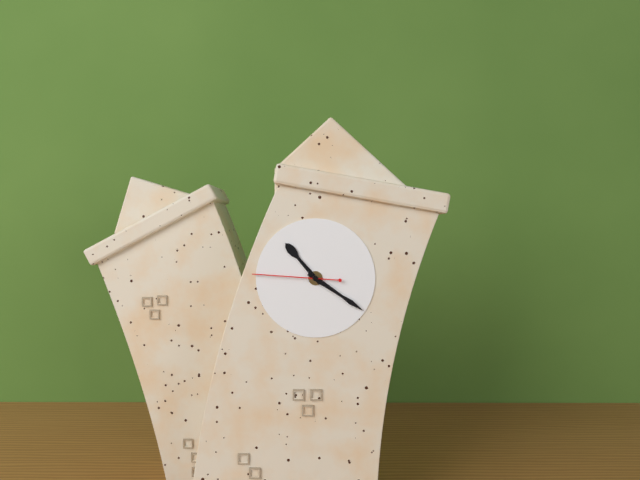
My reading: 10:19:44
